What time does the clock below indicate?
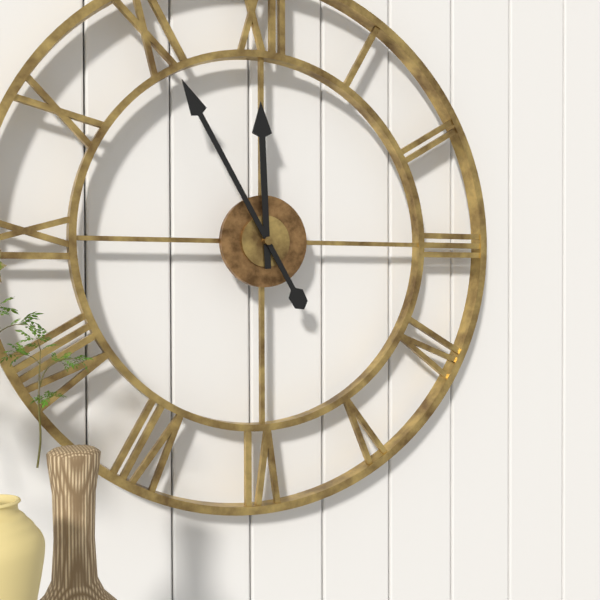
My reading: 11:55
